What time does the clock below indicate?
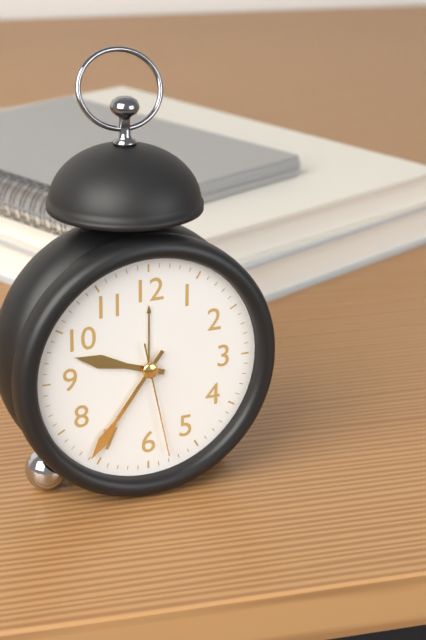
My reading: 9:36:28
